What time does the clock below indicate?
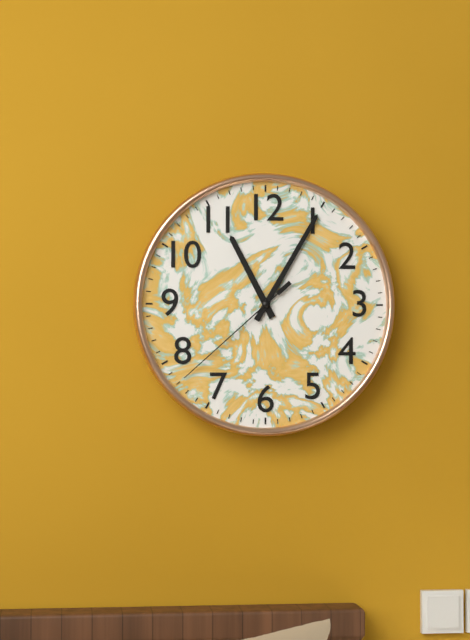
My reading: 11:05:38
